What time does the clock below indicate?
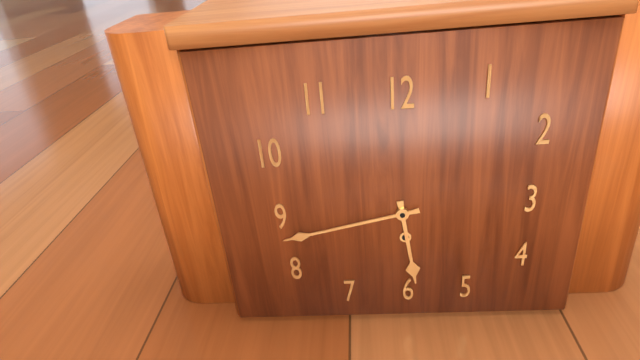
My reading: 5:43
